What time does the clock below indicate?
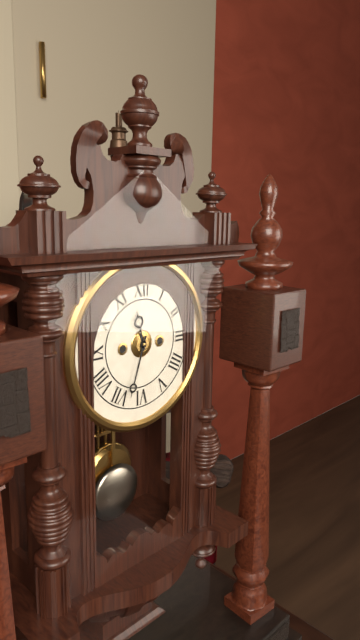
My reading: 11:33
